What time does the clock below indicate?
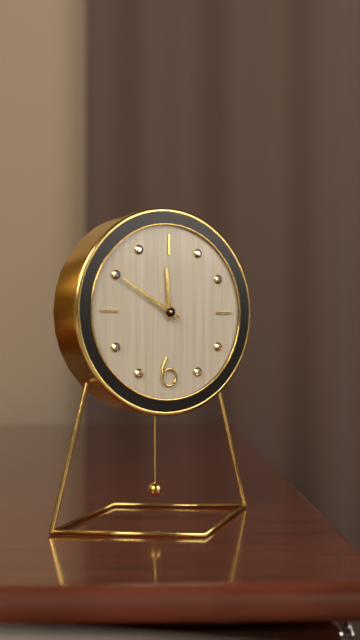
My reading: 11:50
